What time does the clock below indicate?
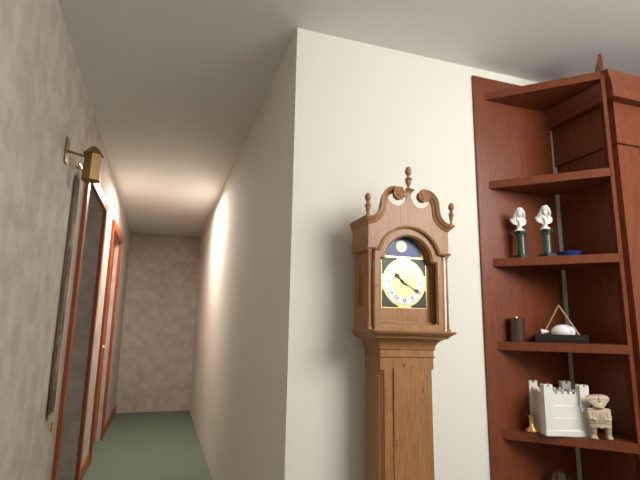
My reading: 10:20
